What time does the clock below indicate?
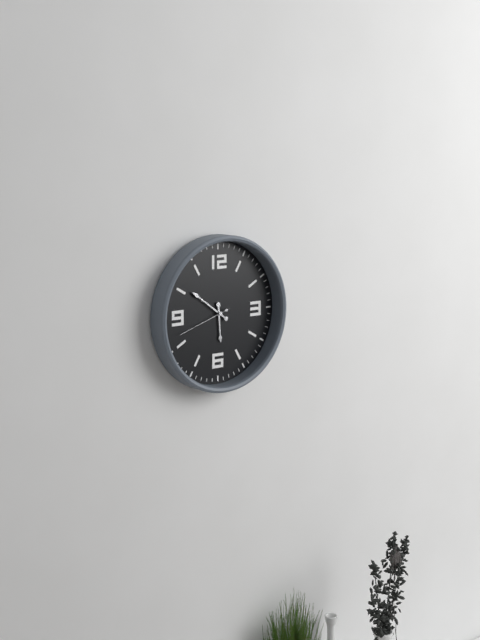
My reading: 5:51:42
